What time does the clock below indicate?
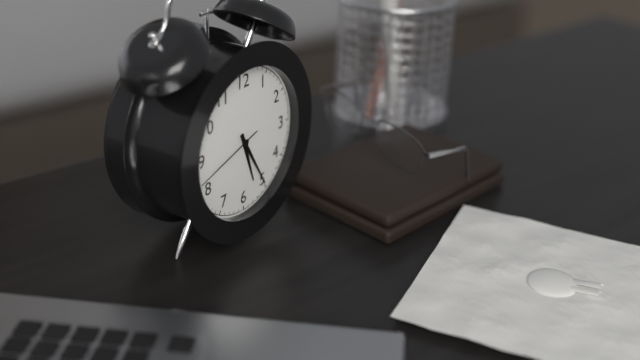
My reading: 5:25:42
